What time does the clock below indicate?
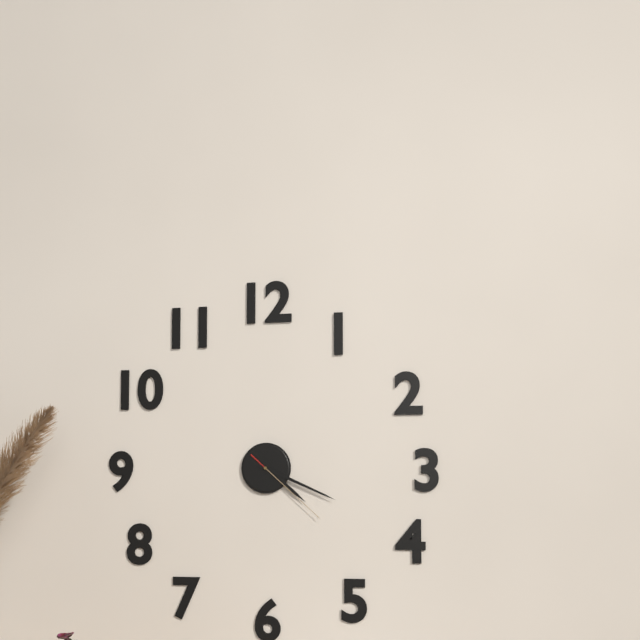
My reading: 4:19:22
